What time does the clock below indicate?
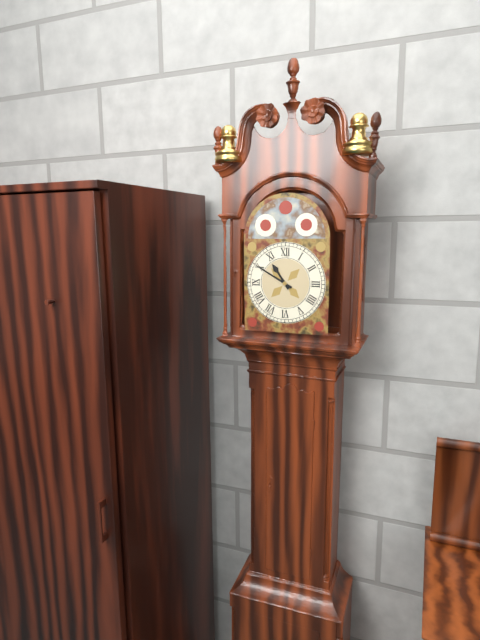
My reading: 10:50
